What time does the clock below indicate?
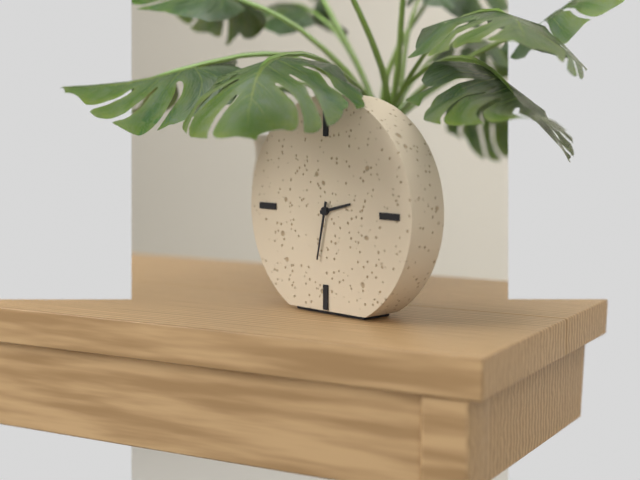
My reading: 2:32
